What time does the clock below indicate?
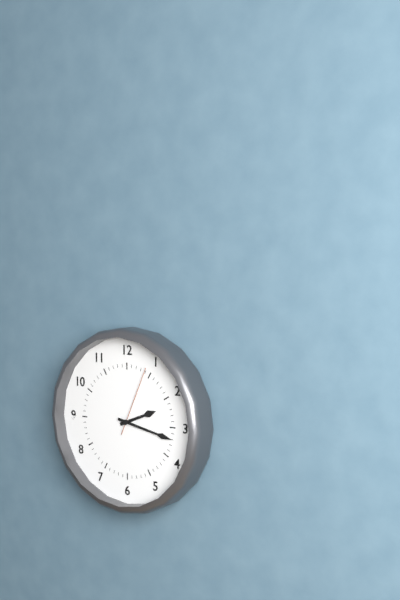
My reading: 2:17:04
